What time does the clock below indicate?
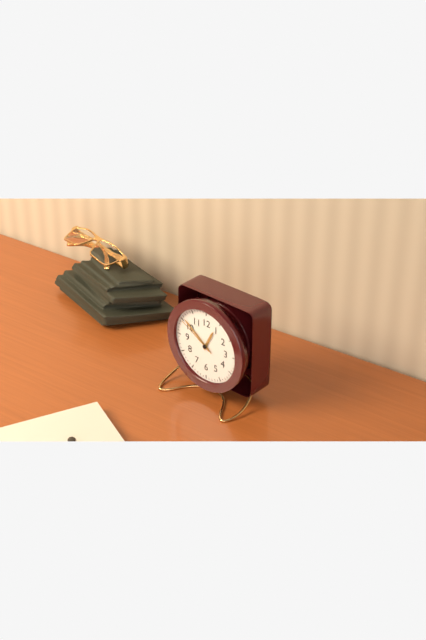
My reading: 12:51
